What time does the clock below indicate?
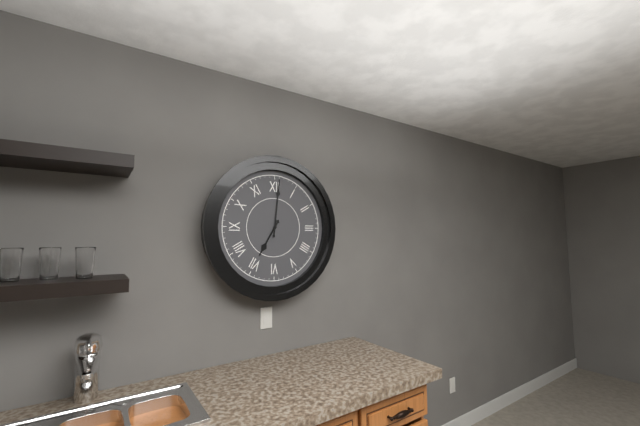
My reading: 7:01
